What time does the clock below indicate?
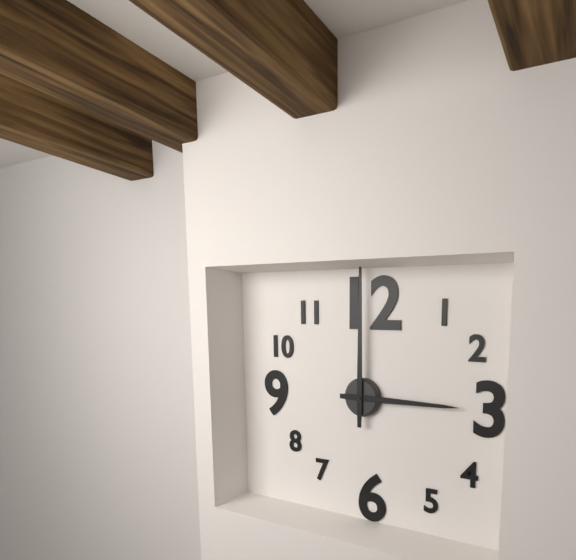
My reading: 3:00
